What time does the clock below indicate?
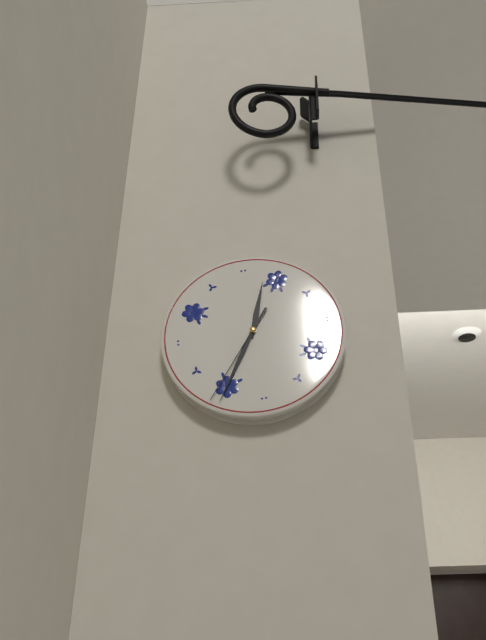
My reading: 12:35:36
